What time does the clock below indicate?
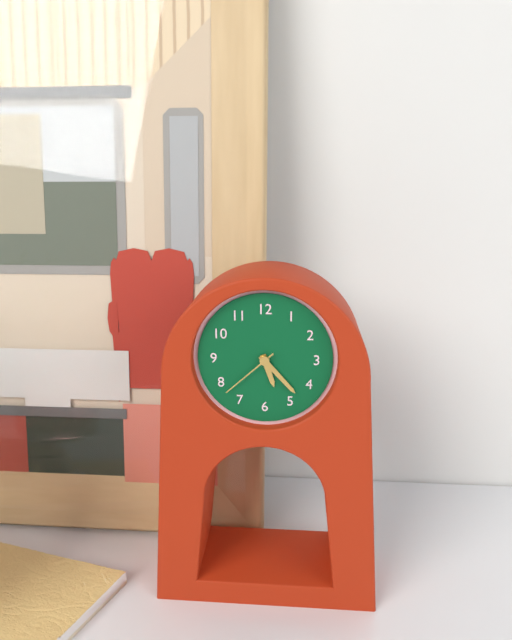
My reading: 5:23:38
